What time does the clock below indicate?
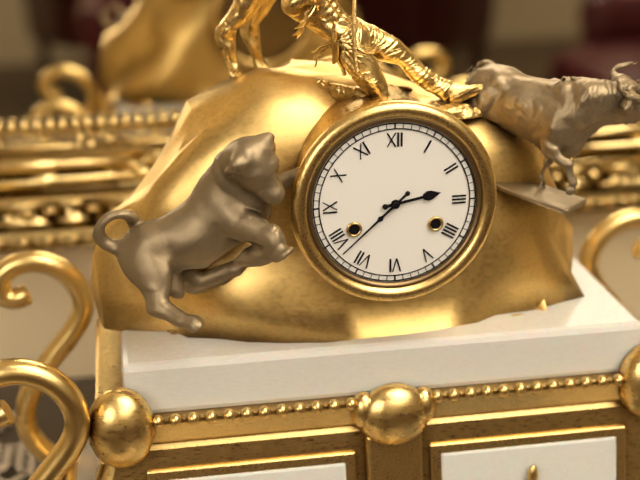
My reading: 2:38
